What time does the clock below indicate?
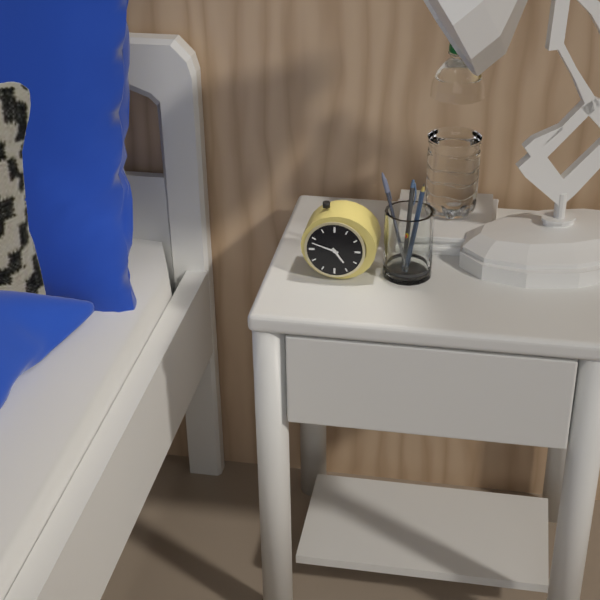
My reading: 4:48
